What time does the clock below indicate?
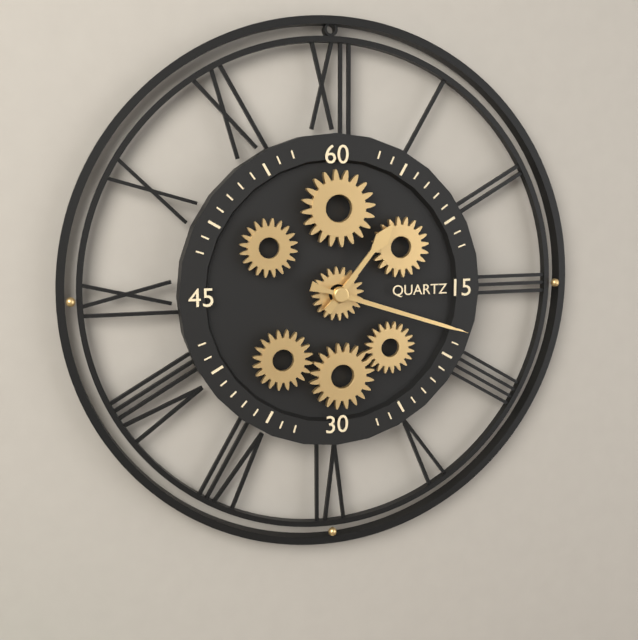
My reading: 1:18
